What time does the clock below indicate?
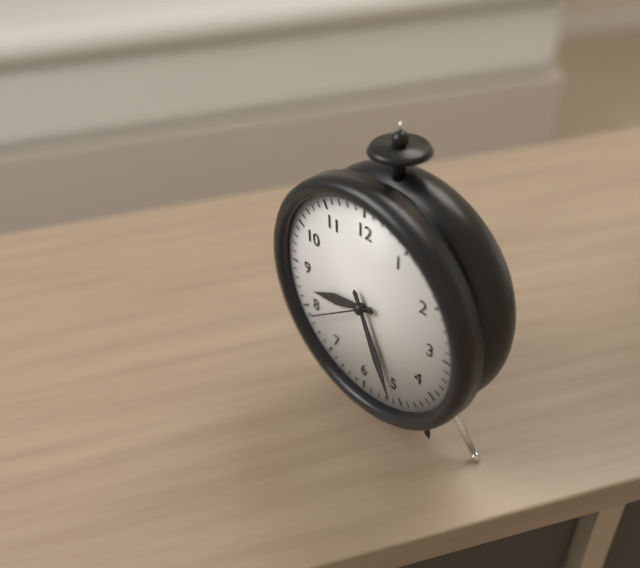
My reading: 8:26:39
